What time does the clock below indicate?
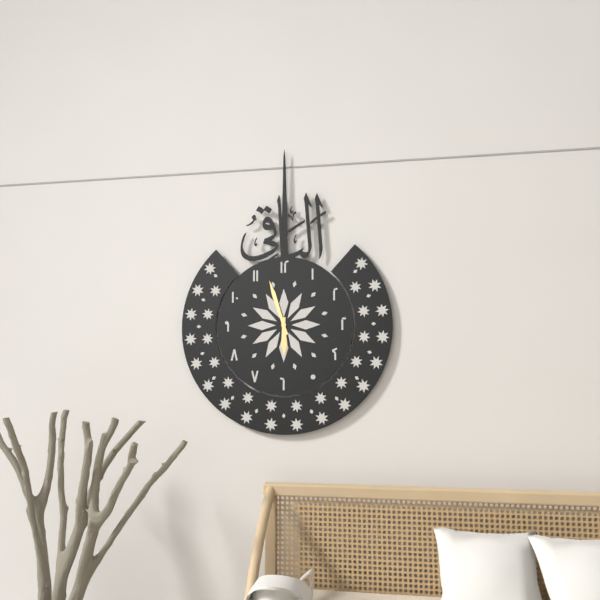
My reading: 5:57
